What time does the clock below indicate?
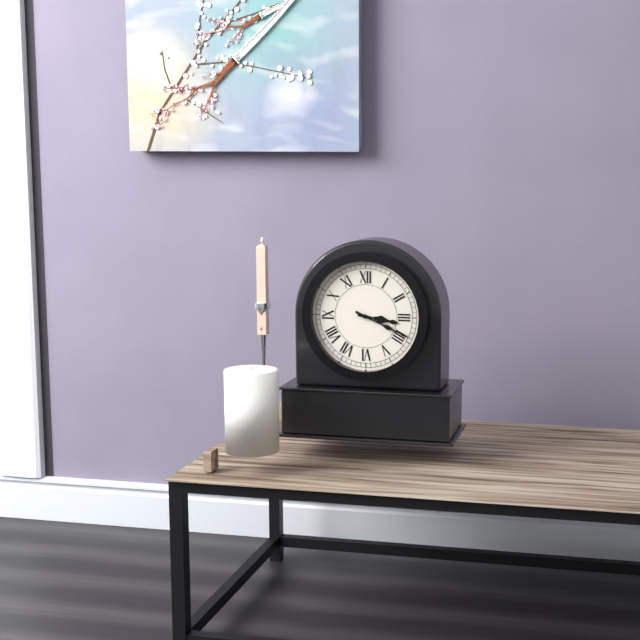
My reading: 3:19
